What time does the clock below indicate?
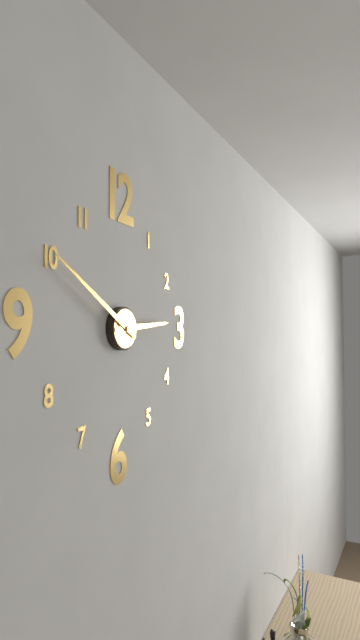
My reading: 2:50
